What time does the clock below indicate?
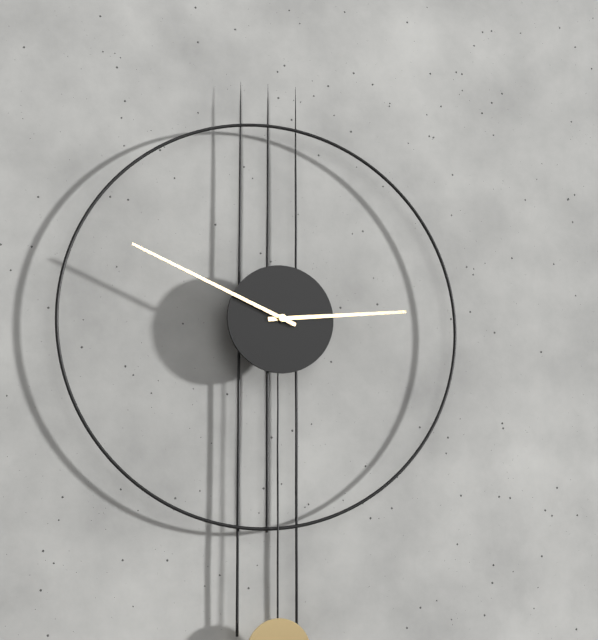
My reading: 2:49
